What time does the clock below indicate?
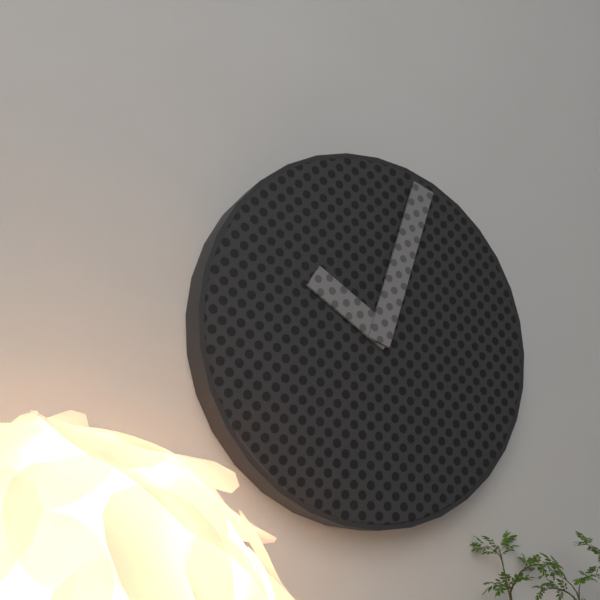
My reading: 10:03
